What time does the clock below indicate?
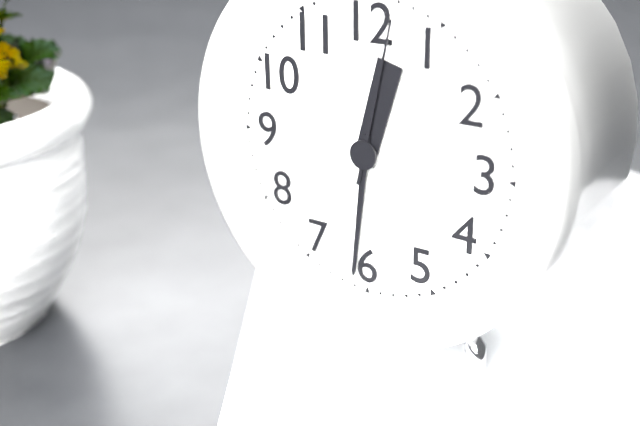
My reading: 12:31:02
